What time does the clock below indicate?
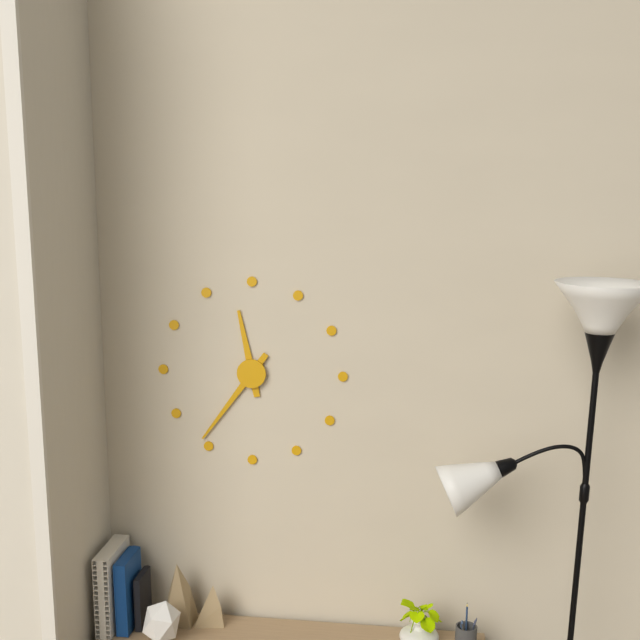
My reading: 11:36
